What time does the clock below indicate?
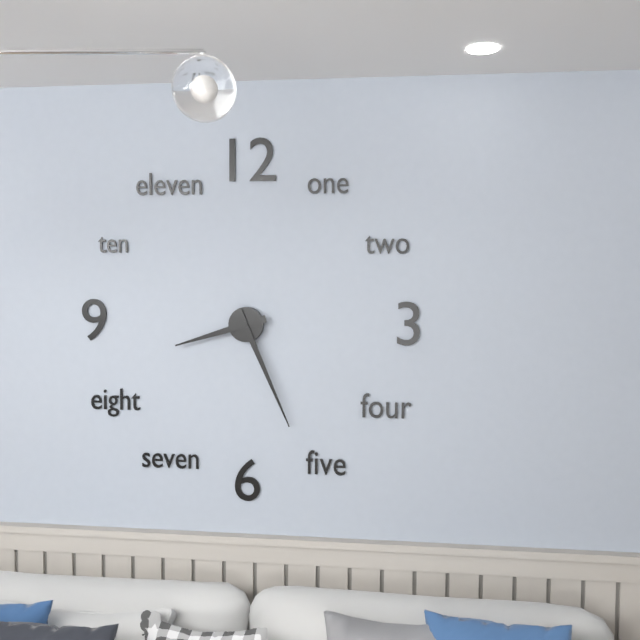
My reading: 8:26
